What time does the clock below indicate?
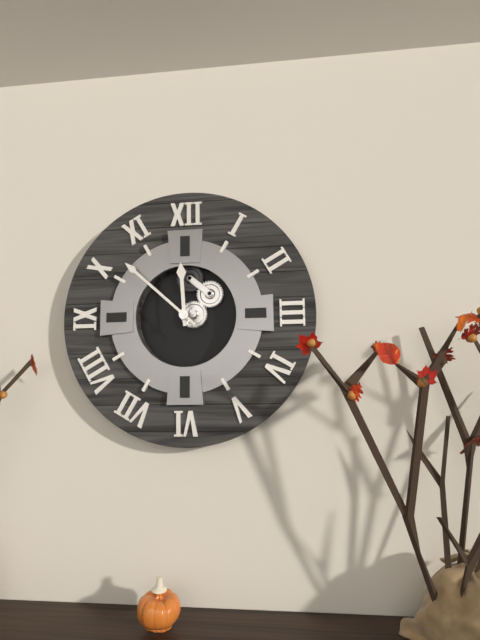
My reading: 11:52
